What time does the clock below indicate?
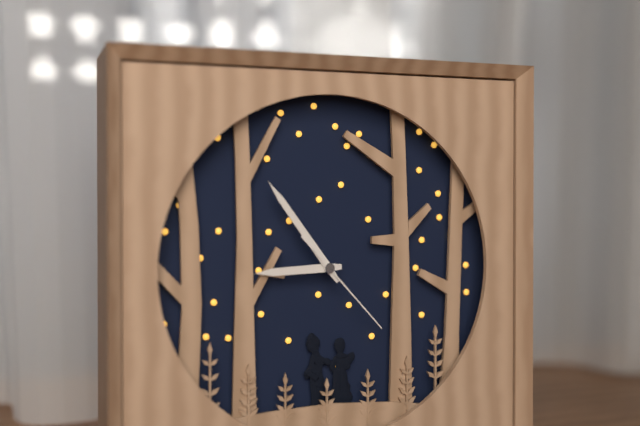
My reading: 8:54:23
